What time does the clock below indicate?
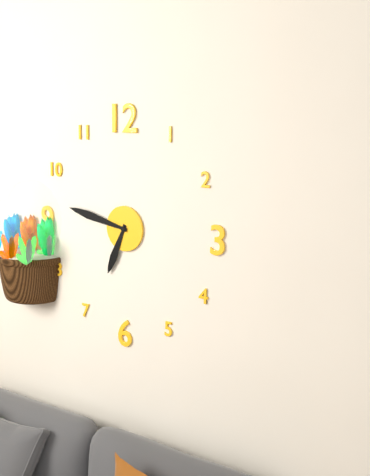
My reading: 6:47
